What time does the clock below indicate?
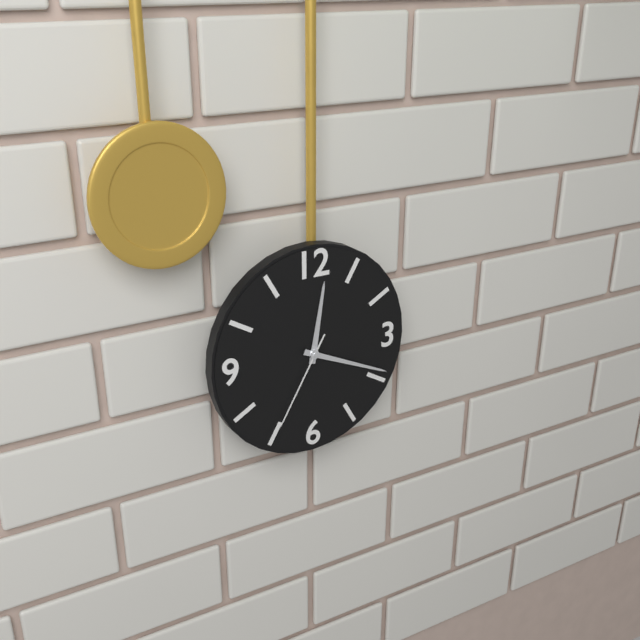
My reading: 12:19:35
